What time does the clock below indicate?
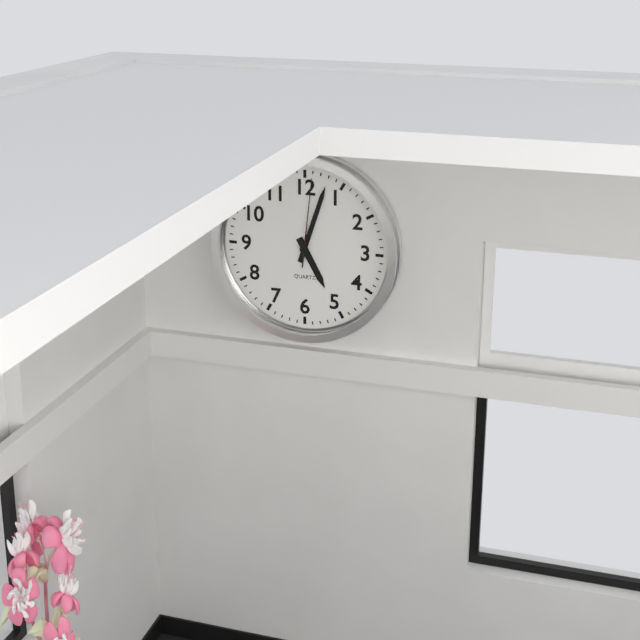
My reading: 5:03:01
